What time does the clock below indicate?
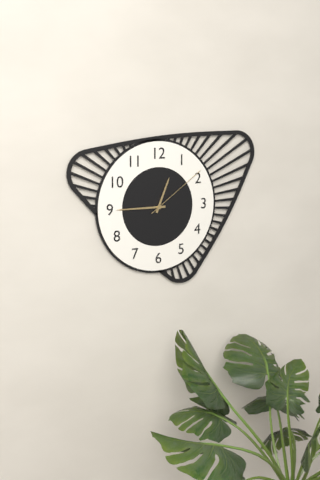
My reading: 12:45:09
